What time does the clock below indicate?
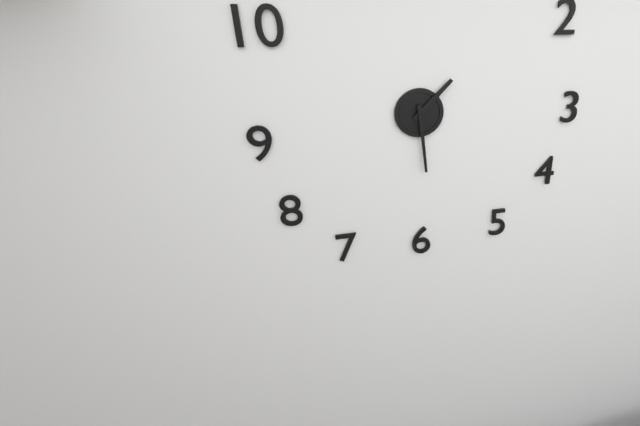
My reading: 1:29
